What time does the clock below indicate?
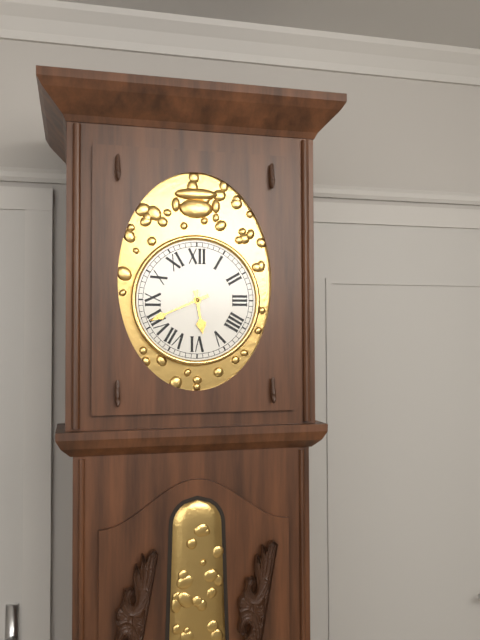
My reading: 5:41
